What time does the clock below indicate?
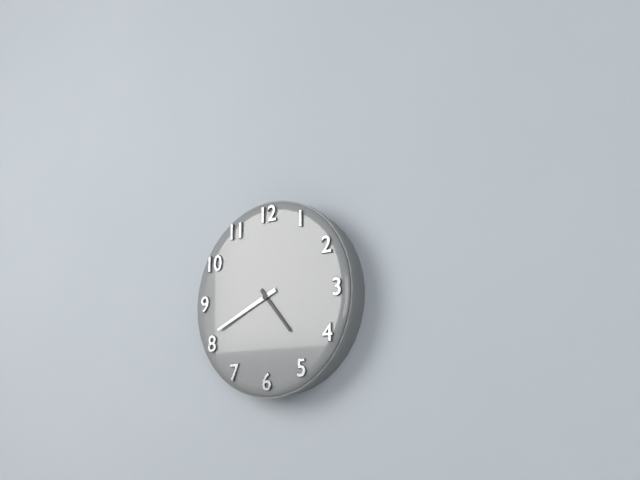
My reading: 4:41
